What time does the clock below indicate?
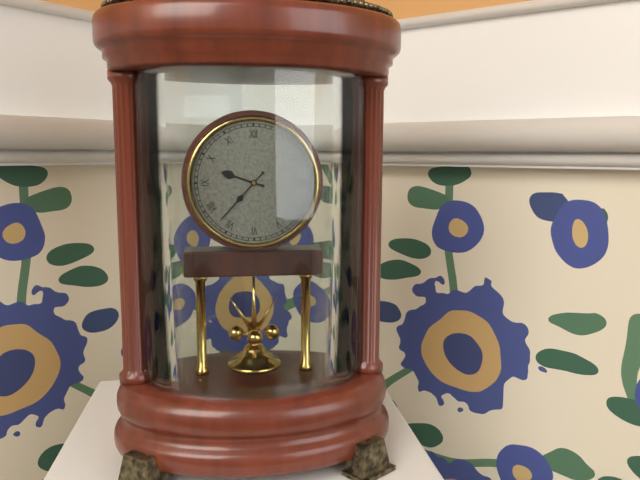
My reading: 9:37
